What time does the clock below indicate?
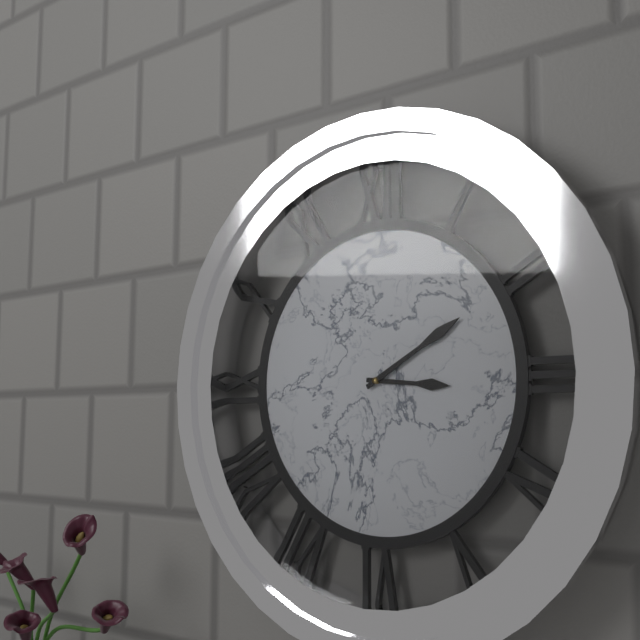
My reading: 3:10
